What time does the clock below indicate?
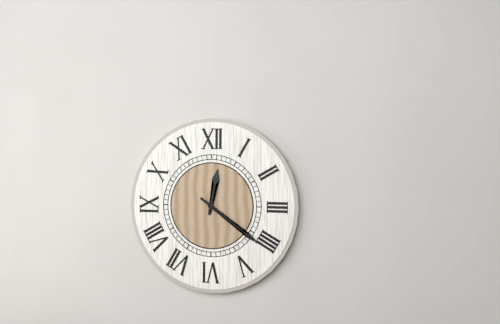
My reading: 12:21
